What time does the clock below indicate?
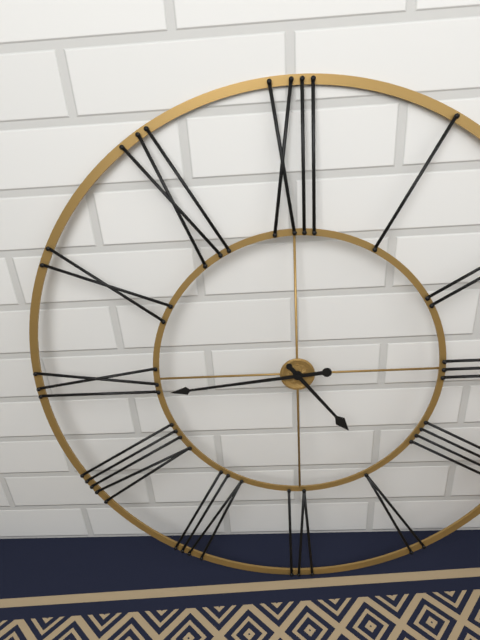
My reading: 4:44
